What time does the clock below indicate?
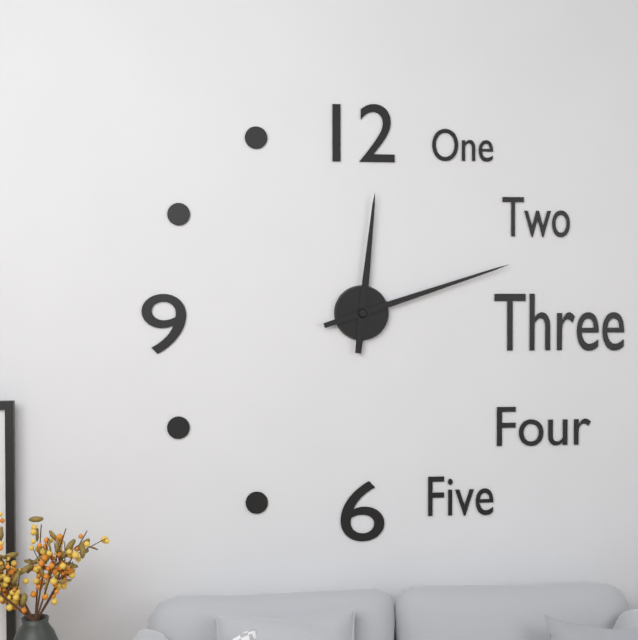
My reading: 12:12
